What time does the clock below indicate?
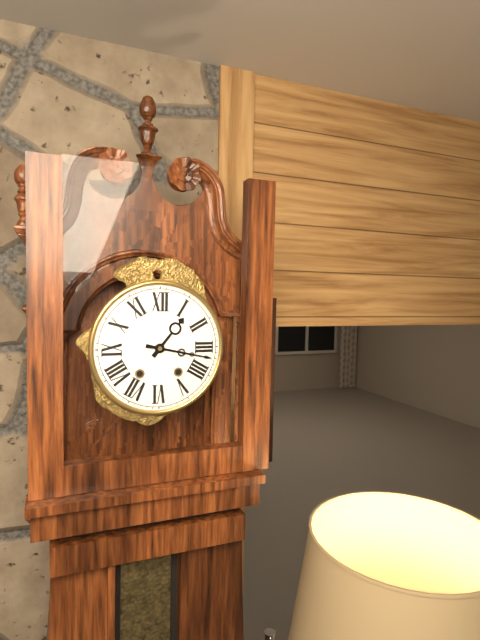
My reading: 1:17
